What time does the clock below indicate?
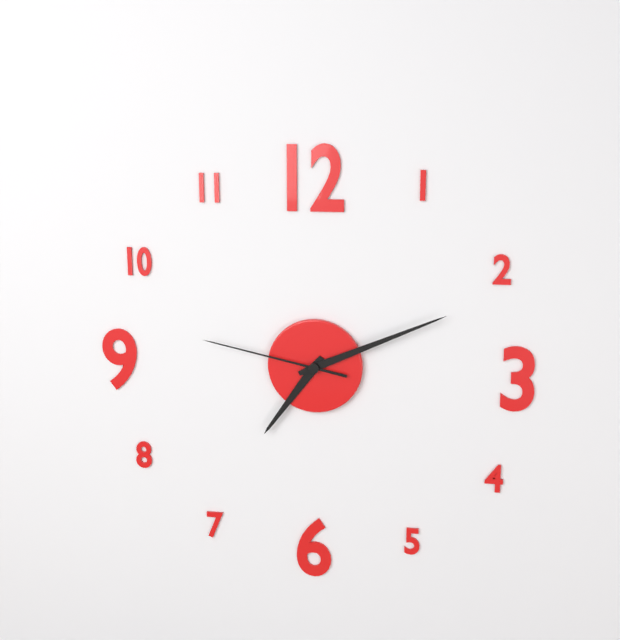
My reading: 7:11:47
